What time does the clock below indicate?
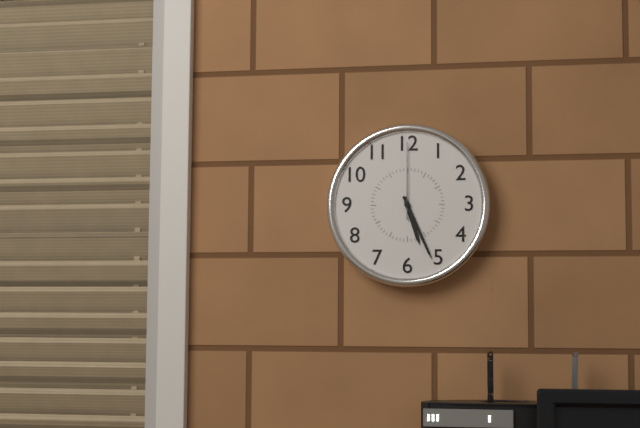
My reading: 5:26:00
